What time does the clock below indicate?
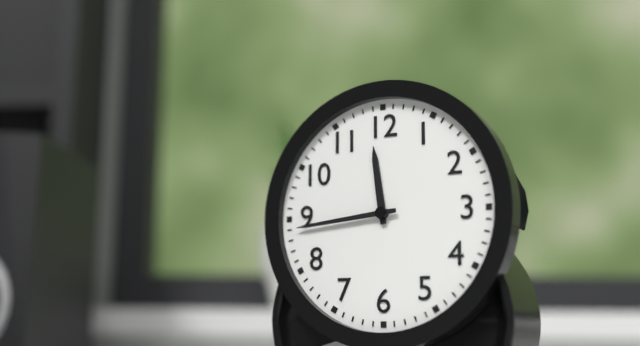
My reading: 11:44
